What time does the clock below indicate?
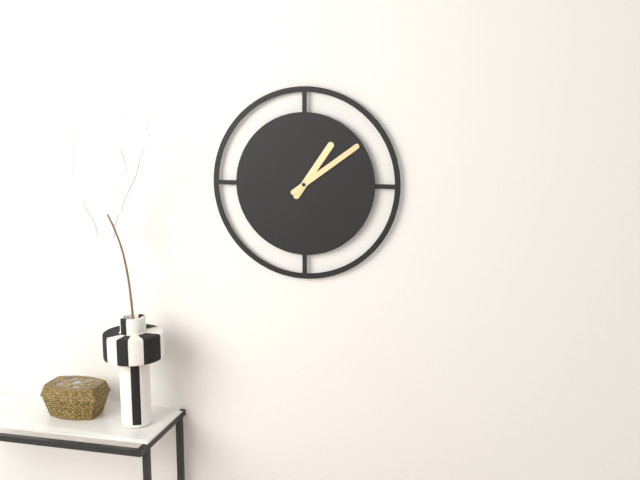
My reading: 1:09
